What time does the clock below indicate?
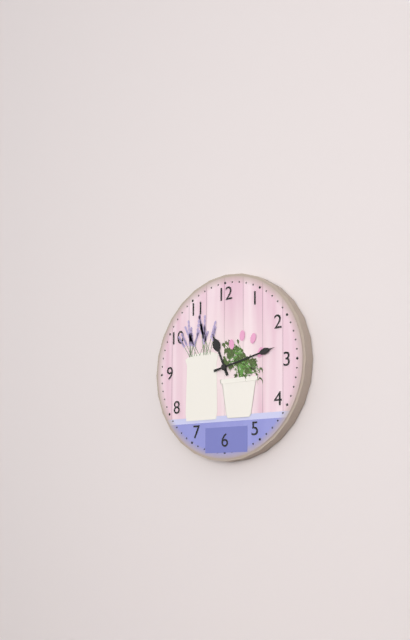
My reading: 11:13
